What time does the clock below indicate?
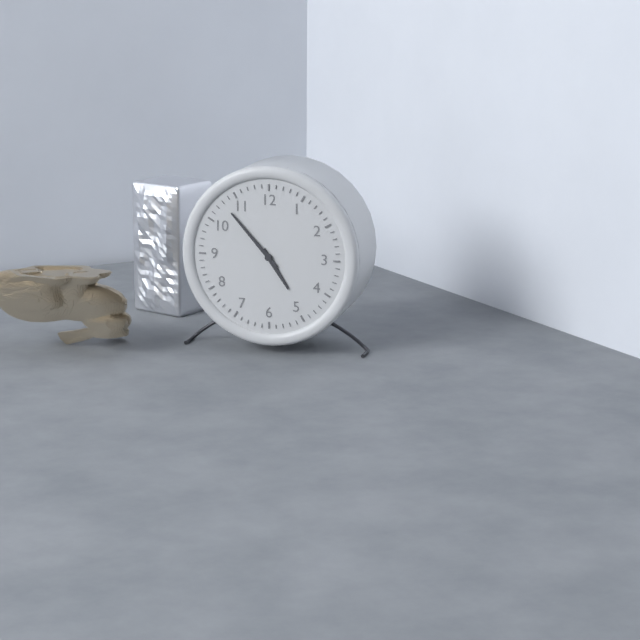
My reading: 4:53
